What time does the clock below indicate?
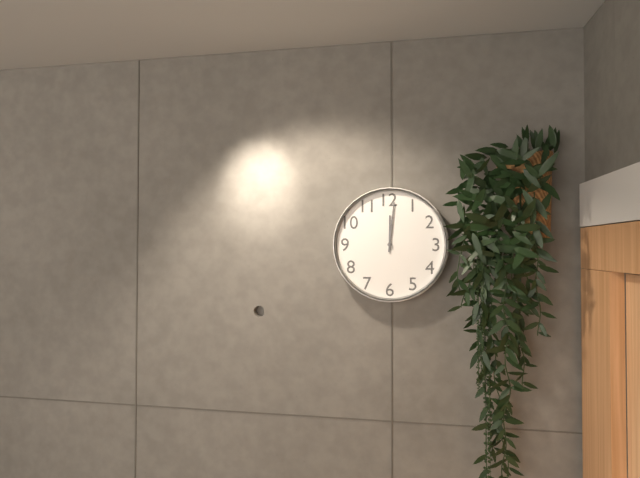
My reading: 12:01
